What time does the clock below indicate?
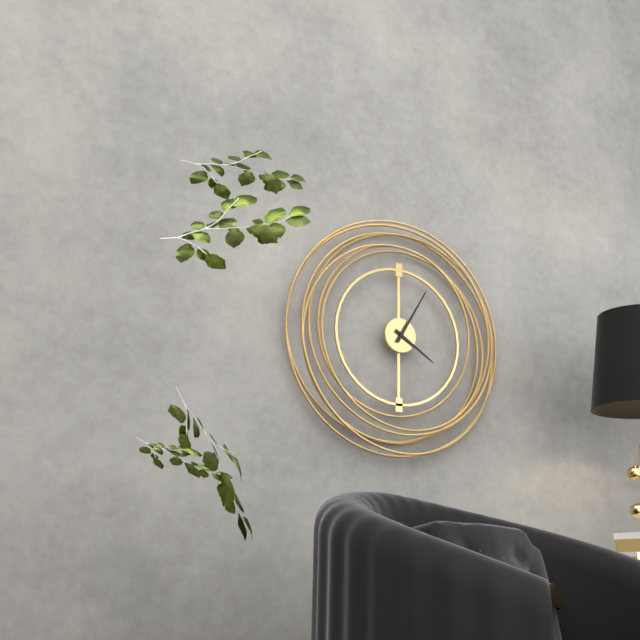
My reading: 4:05
